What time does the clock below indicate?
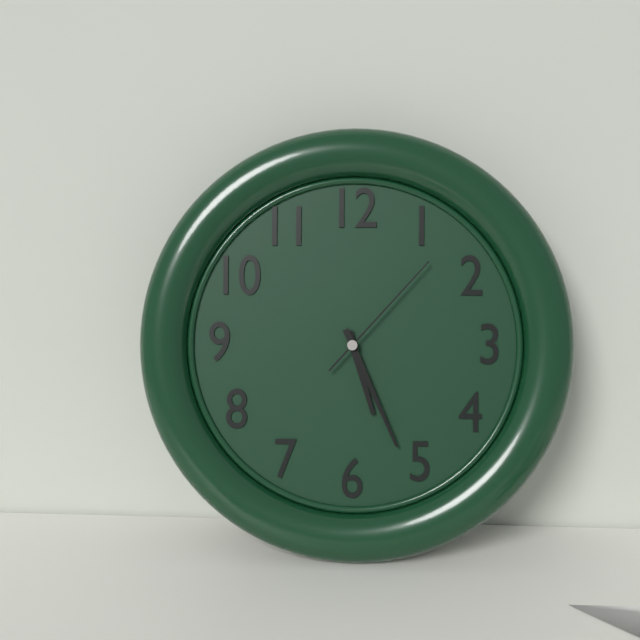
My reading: 5:26:07
